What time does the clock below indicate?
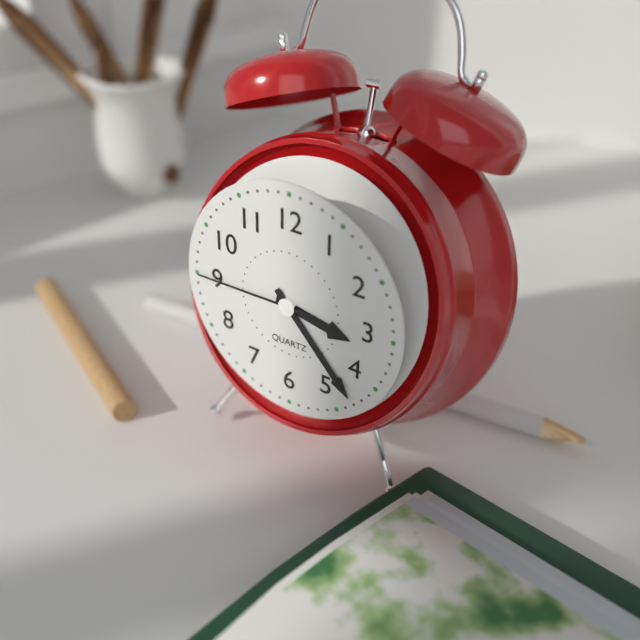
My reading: 3:23:45
